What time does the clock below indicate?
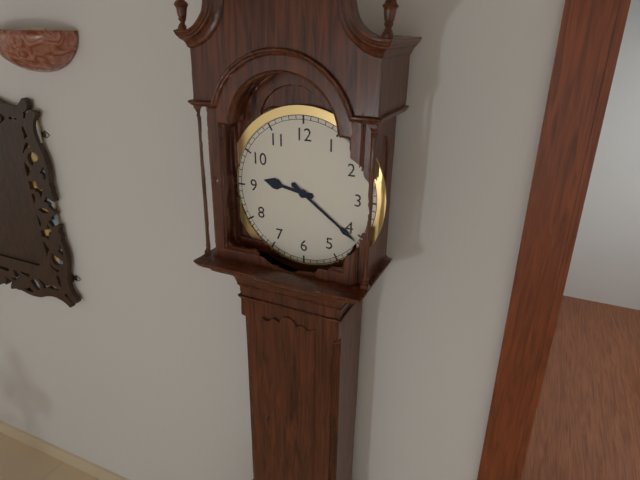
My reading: 9:21
